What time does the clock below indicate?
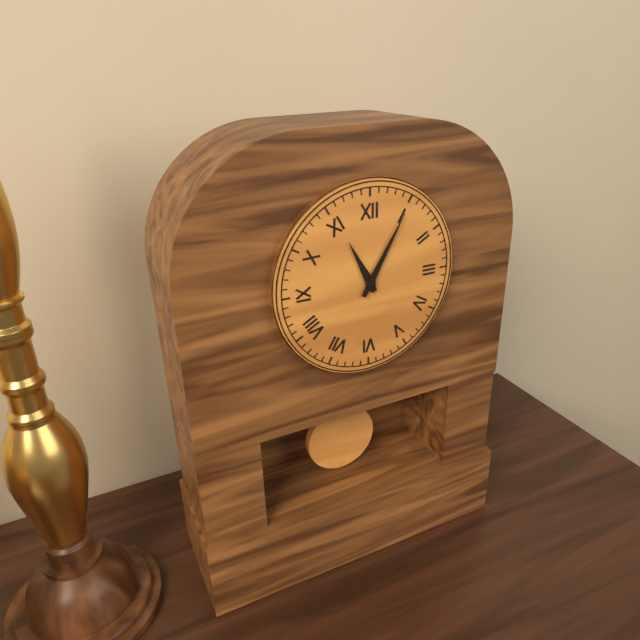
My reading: 11:05
